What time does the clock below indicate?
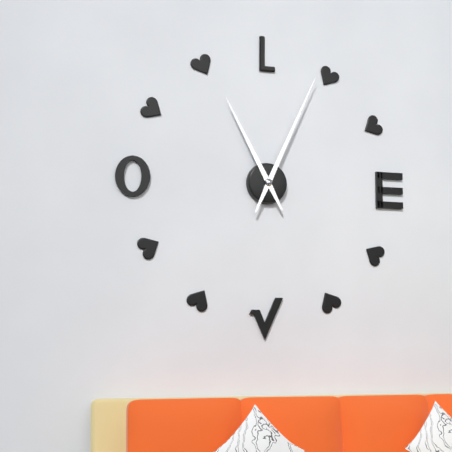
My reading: 11:04
